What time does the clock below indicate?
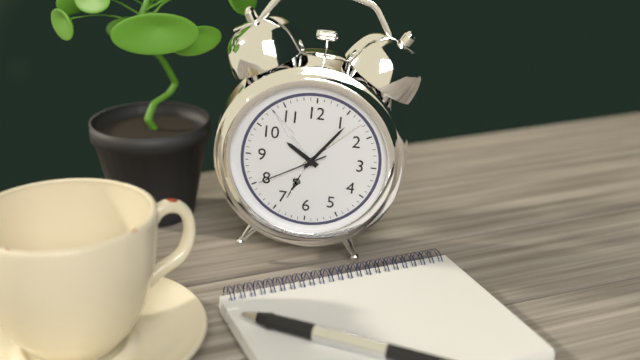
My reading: 10:06:40
